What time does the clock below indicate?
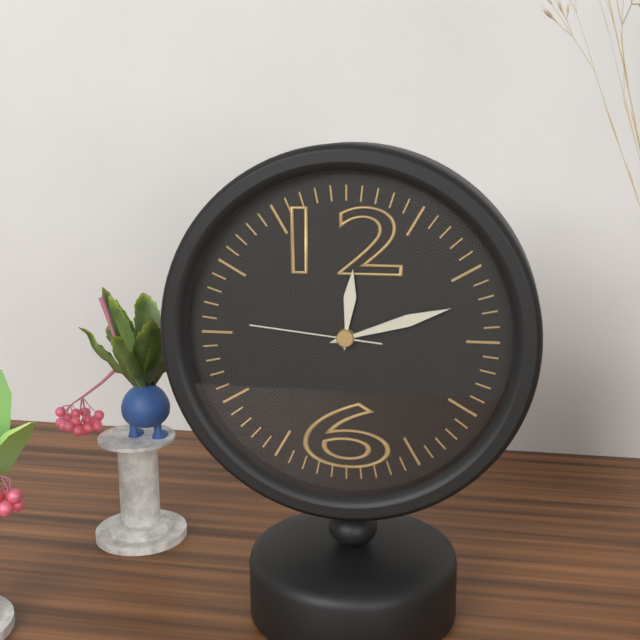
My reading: 12:12:46
